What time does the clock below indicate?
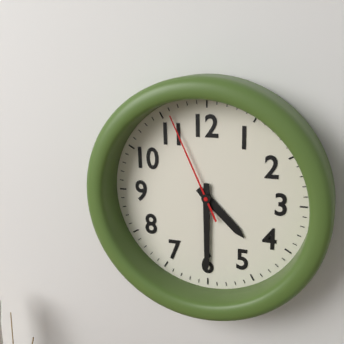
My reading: 4:30:56
